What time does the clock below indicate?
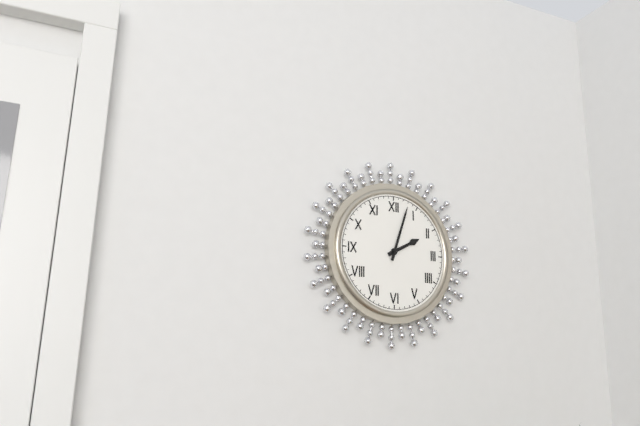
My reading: 2:03
